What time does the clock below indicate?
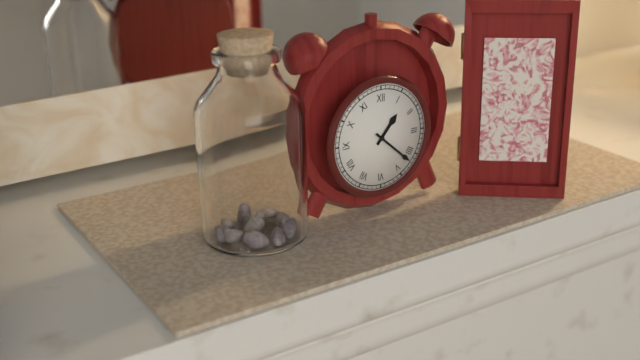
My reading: 1:22
